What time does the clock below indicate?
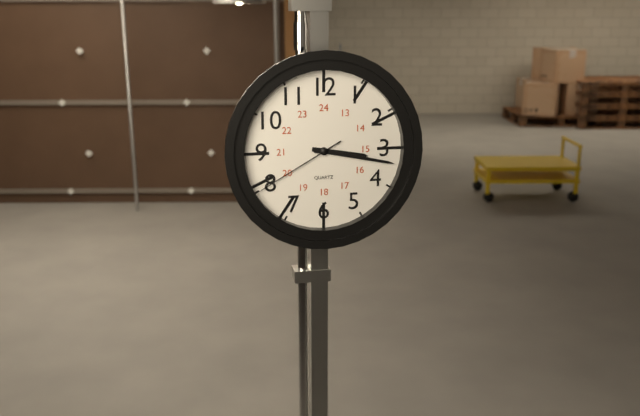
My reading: 3:17:40
